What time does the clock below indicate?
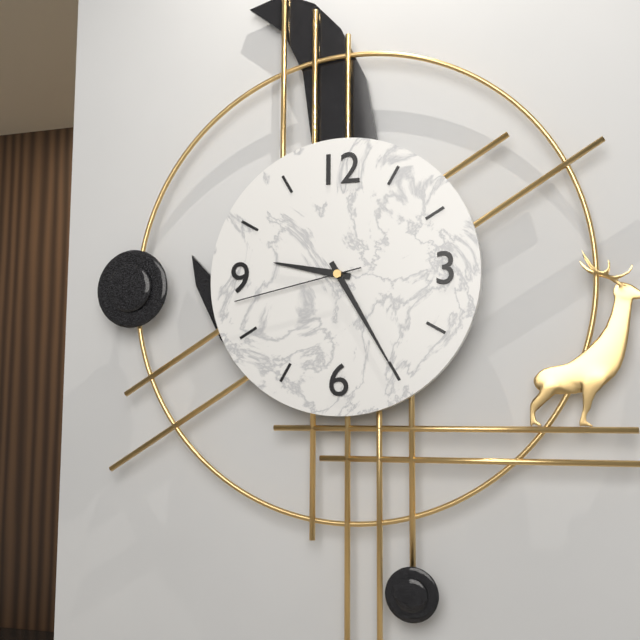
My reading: 9:25:43
